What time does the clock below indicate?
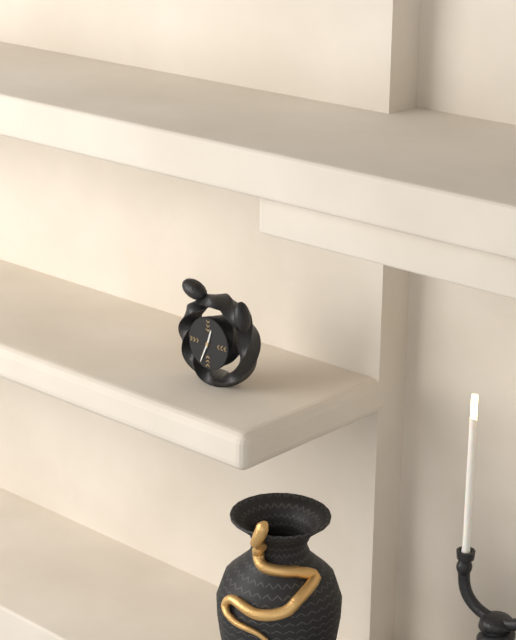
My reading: 12:34
